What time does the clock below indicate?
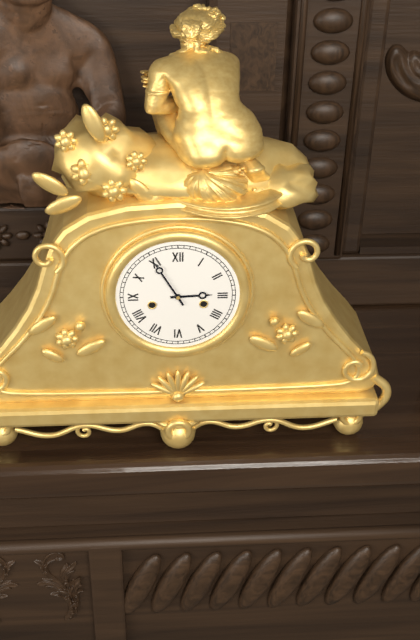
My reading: 2:55
